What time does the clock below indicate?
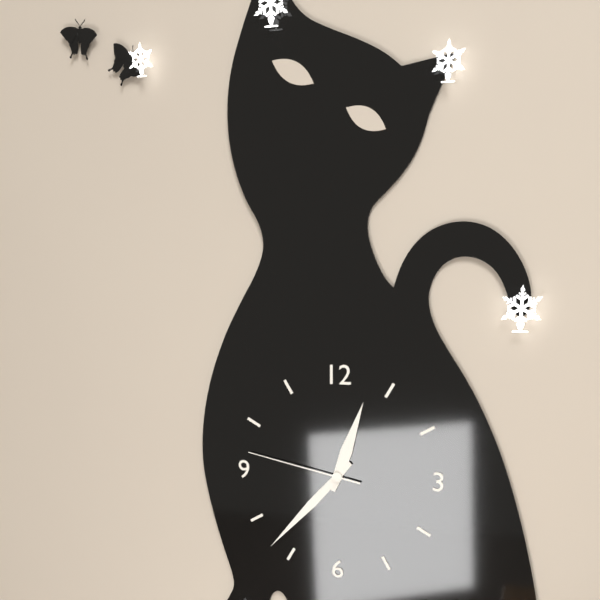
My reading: 12:37:47
